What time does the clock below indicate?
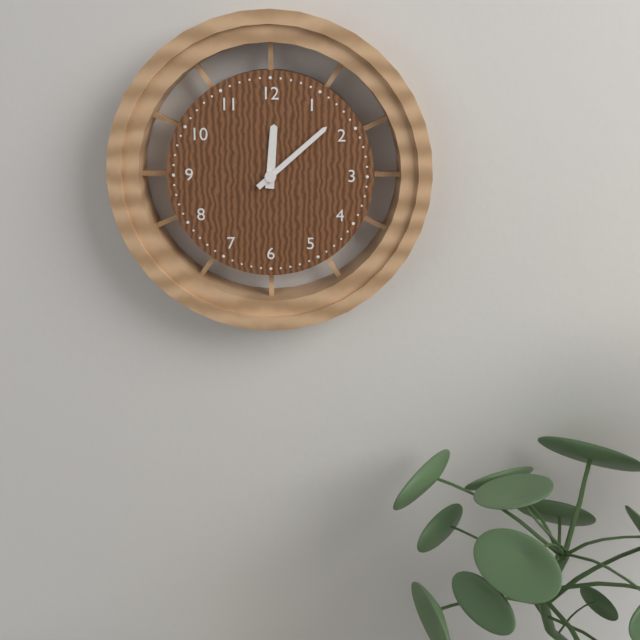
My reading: 12:08
